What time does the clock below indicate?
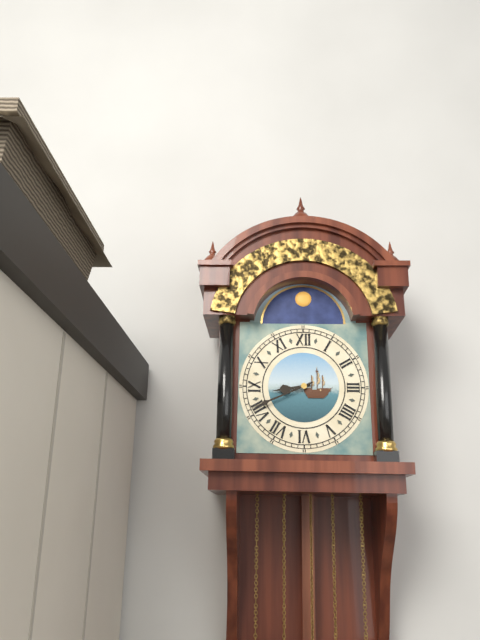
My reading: 8:41
